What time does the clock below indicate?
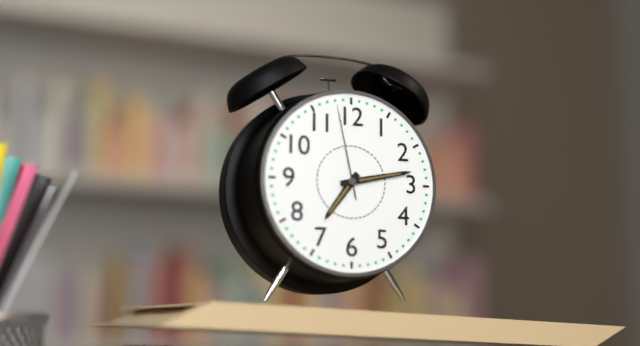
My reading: 7:13:58
